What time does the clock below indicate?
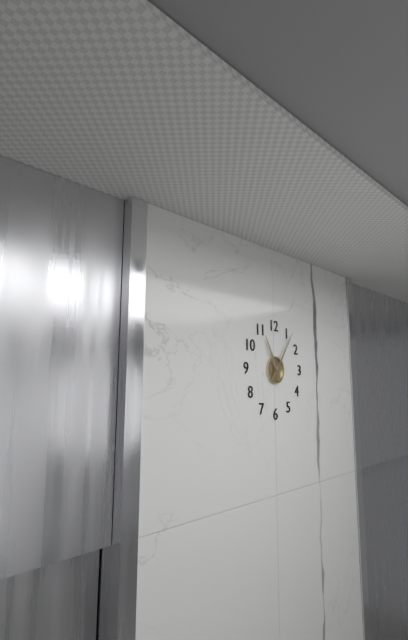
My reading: 11:06
